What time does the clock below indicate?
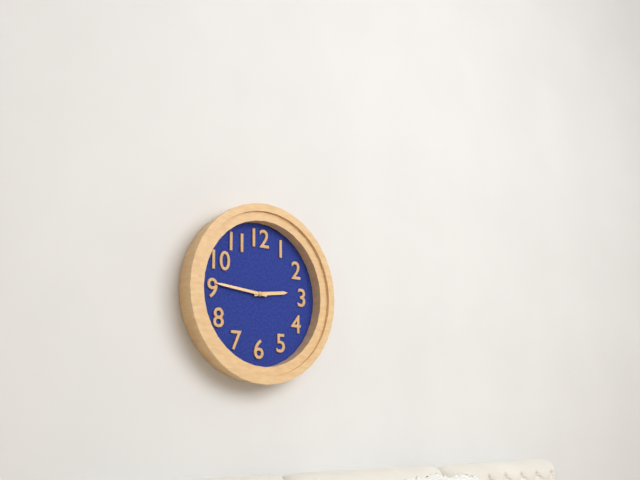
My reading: 2:46
